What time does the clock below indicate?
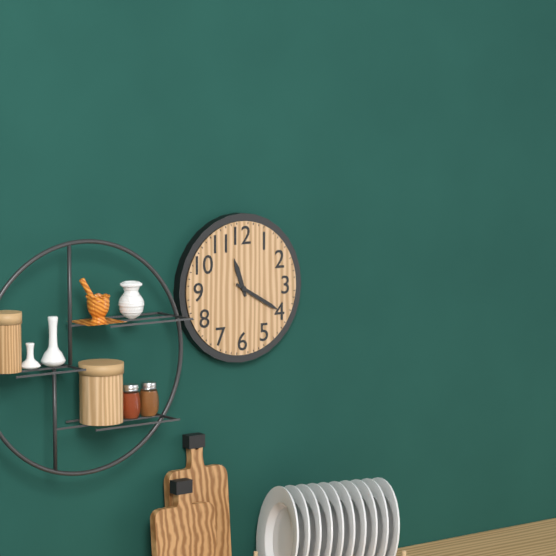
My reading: 11:20
